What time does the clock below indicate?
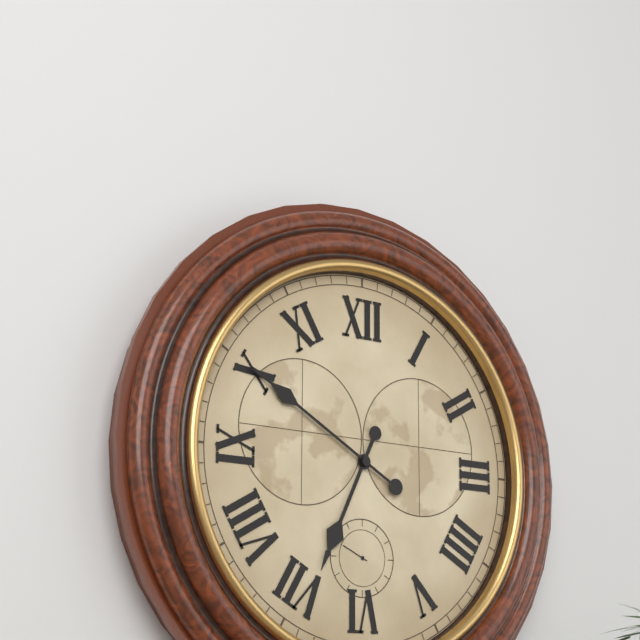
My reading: 6:50
